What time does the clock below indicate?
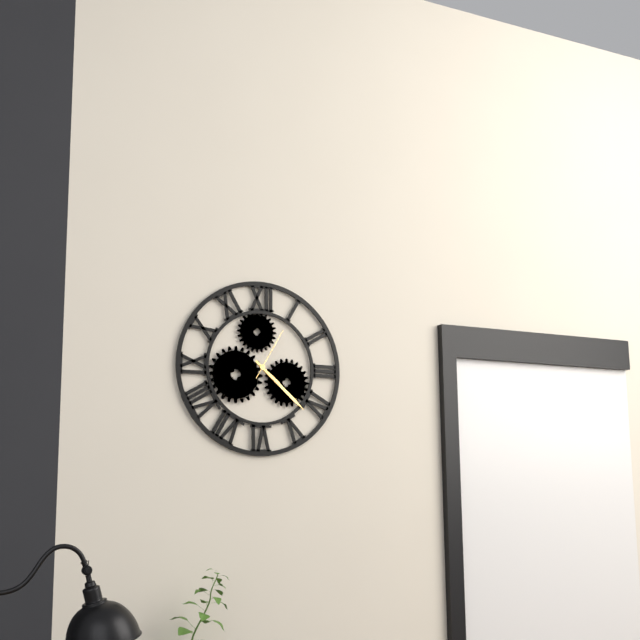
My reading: 4:22:05
